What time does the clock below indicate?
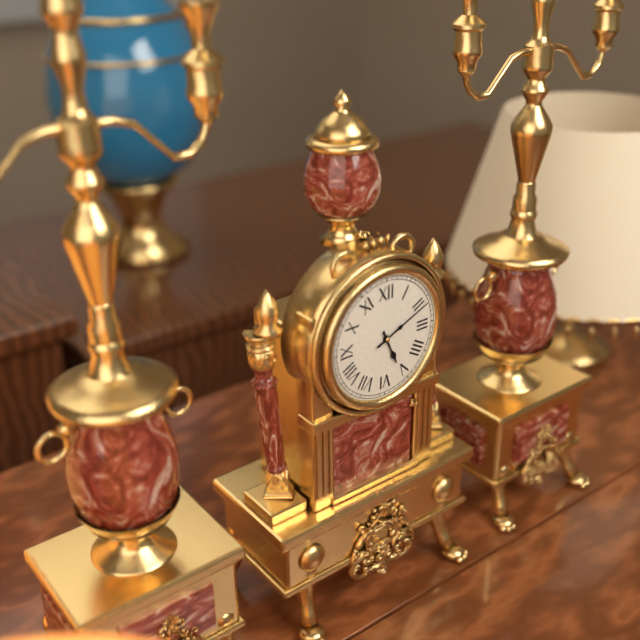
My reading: 5:11
